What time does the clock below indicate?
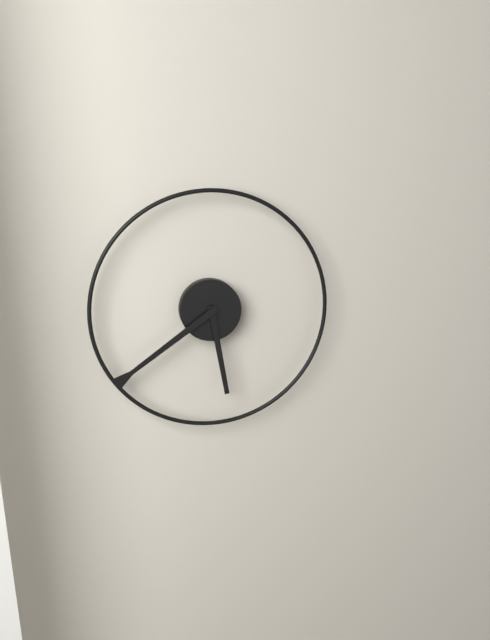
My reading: 5:39
